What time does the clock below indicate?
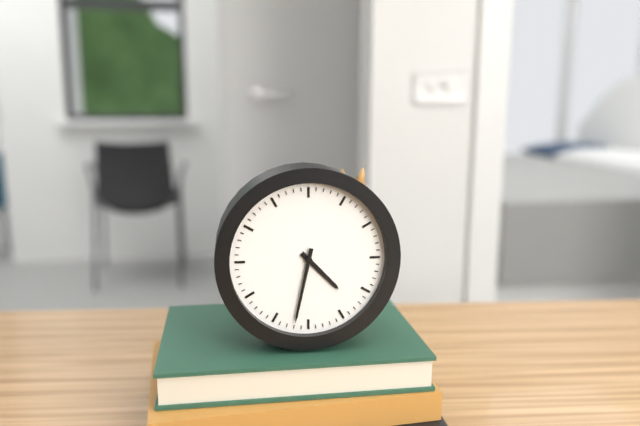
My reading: 4:32
